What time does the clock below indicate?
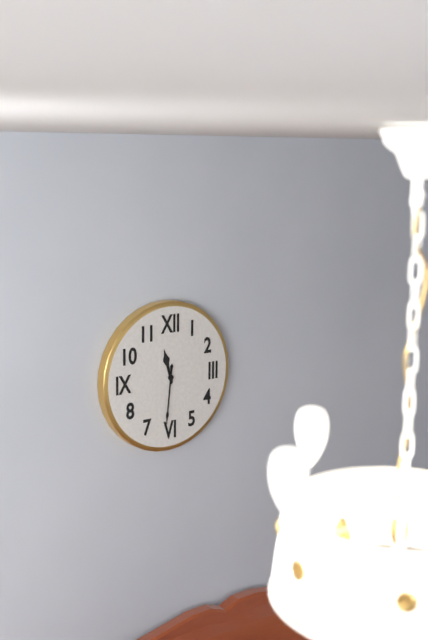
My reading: 11:31
